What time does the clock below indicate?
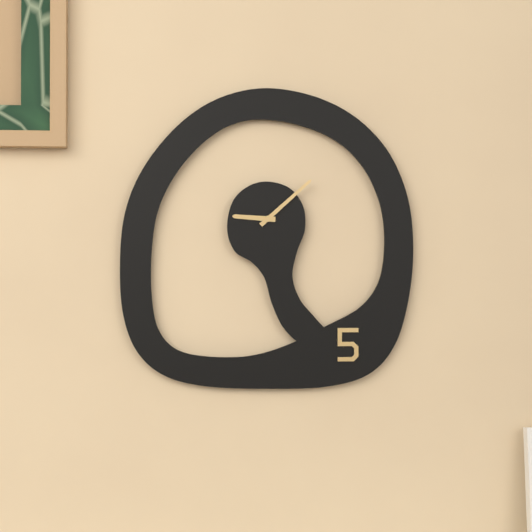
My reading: 9:08
